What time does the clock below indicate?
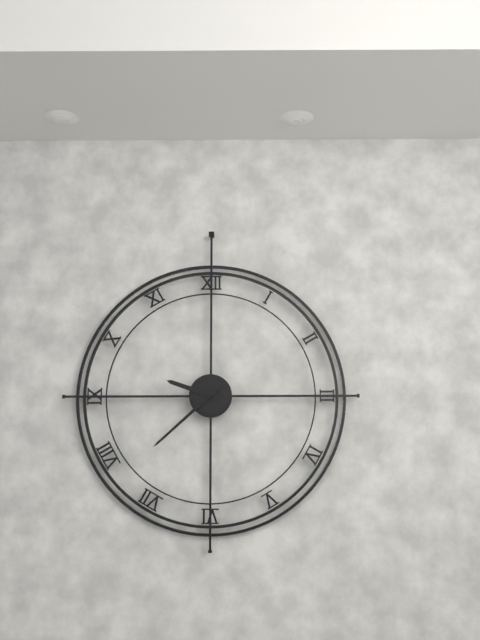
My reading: 9:38
